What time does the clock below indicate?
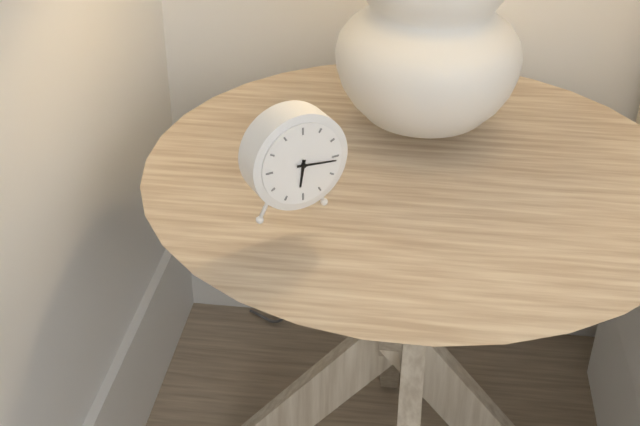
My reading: 6:16
